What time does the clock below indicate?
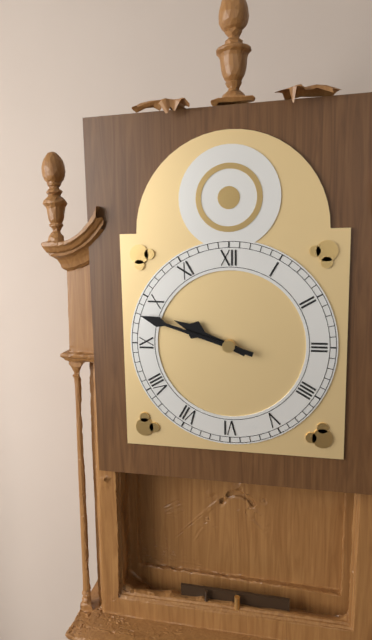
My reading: 9:48
